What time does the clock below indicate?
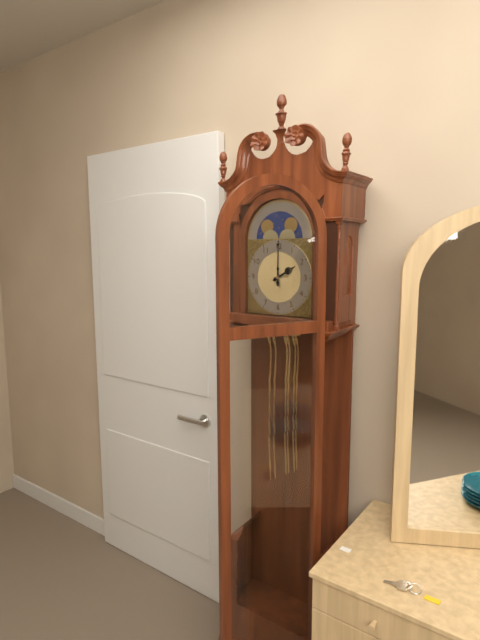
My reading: 2:00
